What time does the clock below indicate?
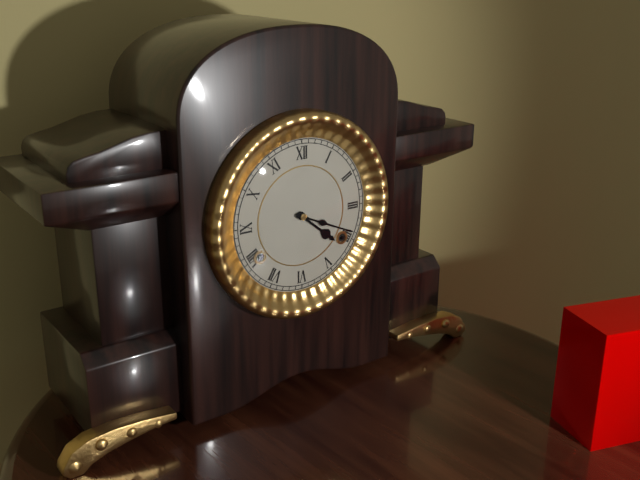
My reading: 4:19
